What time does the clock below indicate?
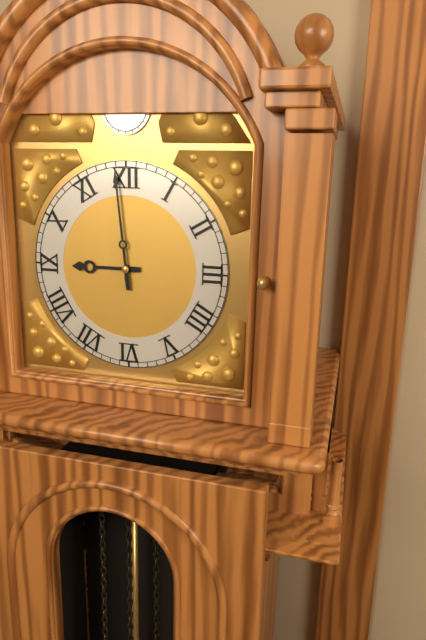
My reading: 8:59
